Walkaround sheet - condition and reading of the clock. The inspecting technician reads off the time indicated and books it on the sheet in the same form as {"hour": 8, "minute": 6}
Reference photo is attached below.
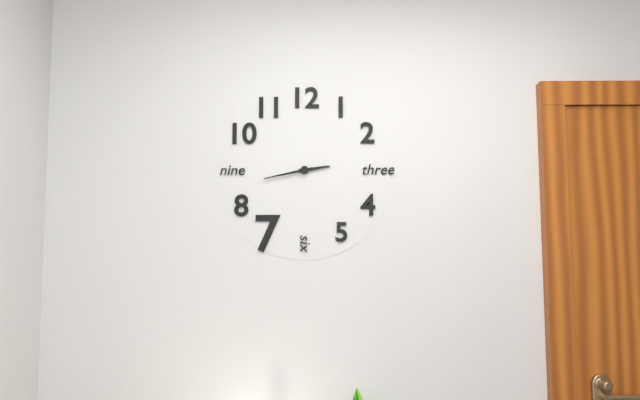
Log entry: {"hour": 2, "minute": 43}
